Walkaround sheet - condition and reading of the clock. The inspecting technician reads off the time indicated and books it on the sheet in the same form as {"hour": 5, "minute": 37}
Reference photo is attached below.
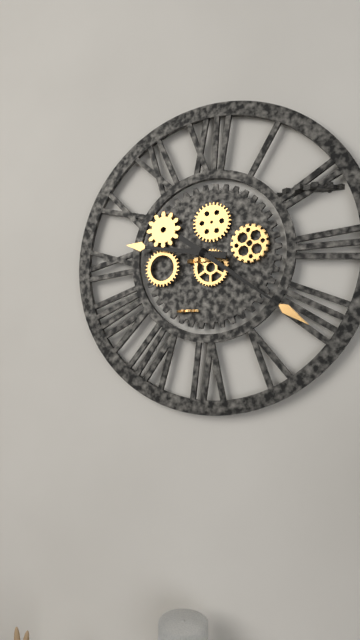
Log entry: {"hour": 9, "minute": 21}
